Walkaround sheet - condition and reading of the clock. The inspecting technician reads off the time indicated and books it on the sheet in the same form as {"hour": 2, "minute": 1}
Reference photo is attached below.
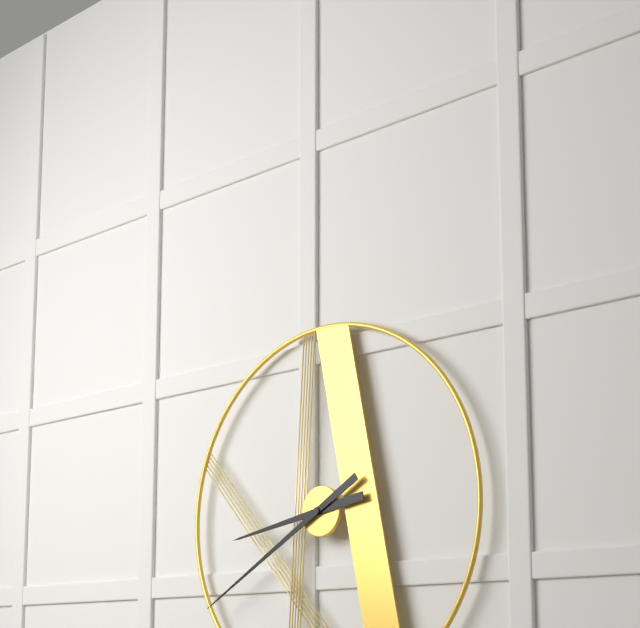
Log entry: {"hour": 8, "minute": 40}
